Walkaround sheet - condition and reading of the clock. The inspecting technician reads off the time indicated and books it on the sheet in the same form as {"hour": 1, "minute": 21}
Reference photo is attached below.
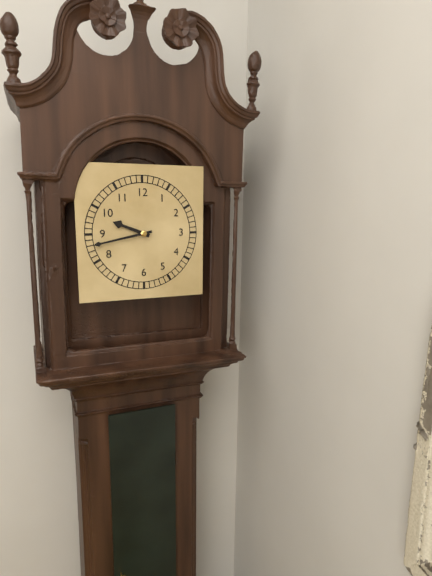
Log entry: {"hour": 9, "minute": 43}
